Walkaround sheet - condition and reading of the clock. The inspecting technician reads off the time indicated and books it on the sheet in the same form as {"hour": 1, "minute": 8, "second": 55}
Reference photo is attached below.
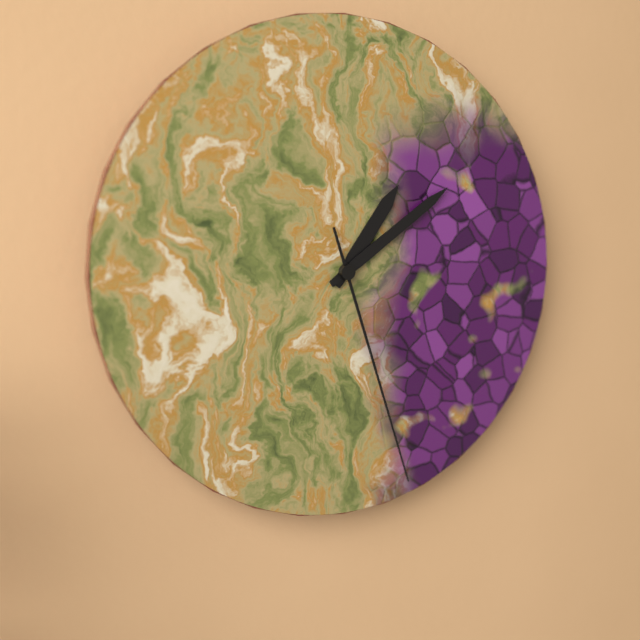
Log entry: {"hour": 1, "minute": 9, "second": 27}
